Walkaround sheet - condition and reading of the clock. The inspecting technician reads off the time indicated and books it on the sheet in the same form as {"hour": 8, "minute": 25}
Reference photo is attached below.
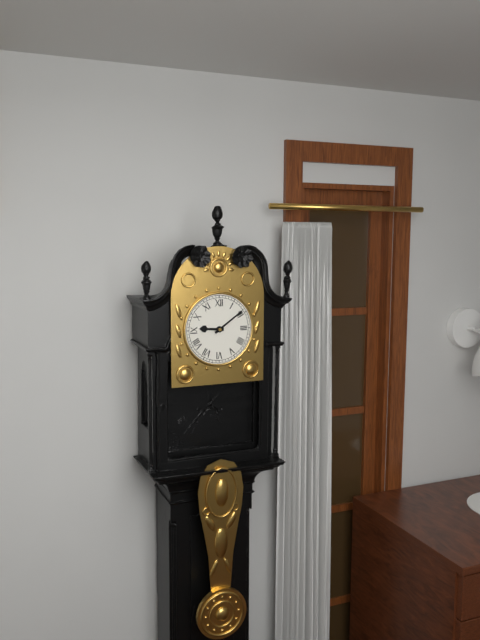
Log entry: {"hour": 9, "minute": 9}
